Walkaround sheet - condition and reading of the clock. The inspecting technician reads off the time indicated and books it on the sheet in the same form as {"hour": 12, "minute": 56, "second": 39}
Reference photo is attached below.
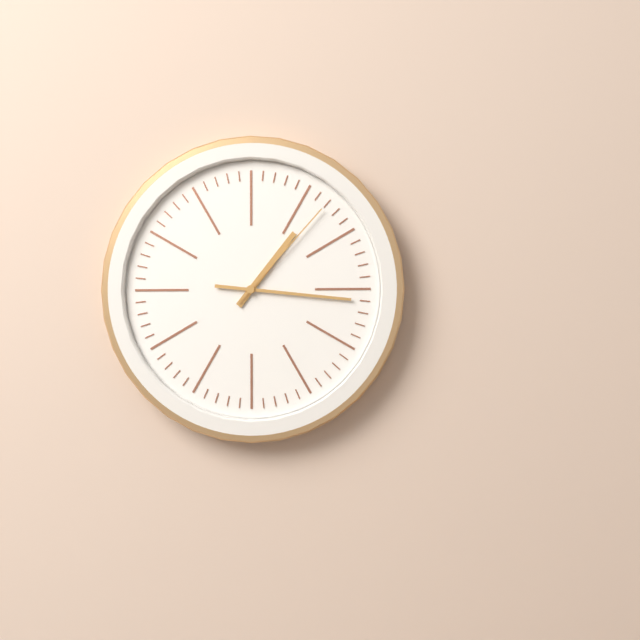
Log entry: {"hour": 1, "minute": 16, "second": 7}
